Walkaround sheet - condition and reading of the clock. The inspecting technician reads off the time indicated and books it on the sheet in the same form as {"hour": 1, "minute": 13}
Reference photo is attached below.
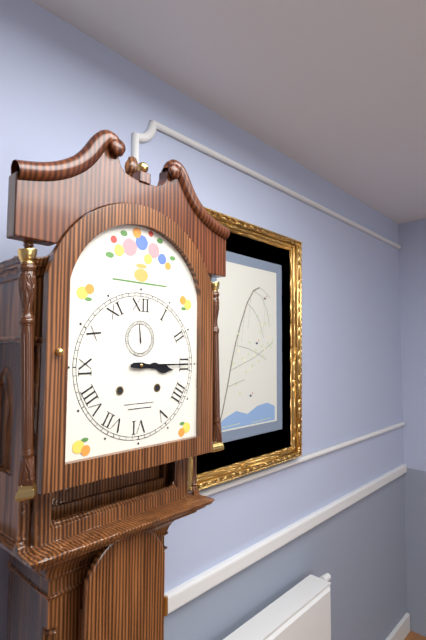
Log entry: {"hour": 3, "minute": 15}
